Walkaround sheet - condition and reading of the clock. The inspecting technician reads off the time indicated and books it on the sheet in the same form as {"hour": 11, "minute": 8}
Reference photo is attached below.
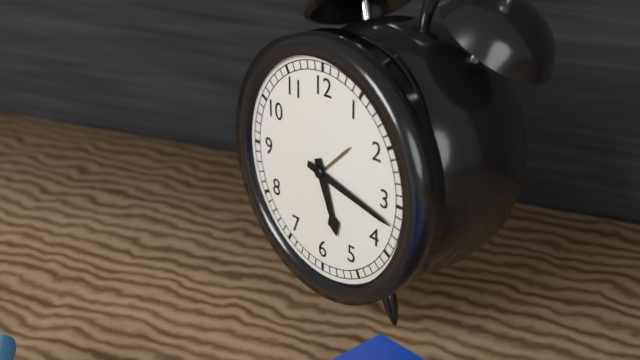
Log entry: {"hour": 5, "minute": 17}
